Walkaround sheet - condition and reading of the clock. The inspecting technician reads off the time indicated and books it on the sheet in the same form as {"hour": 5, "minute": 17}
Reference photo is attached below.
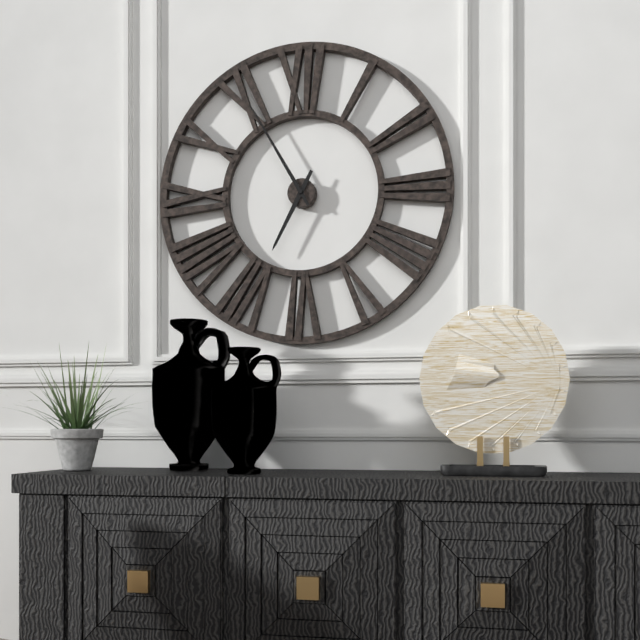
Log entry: {"hour": 6, "minute": 55}
